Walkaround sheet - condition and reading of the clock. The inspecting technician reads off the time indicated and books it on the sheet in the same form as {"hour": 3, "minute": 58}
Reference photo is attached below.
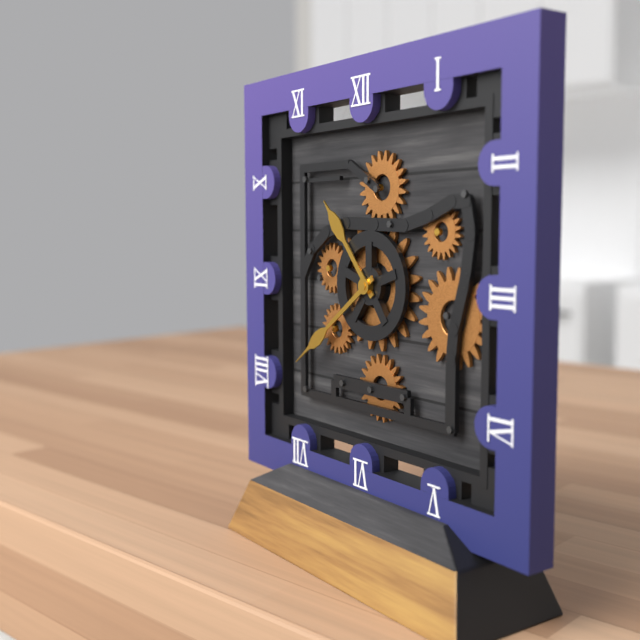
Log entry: {"hour": 10, "minute": 39}
